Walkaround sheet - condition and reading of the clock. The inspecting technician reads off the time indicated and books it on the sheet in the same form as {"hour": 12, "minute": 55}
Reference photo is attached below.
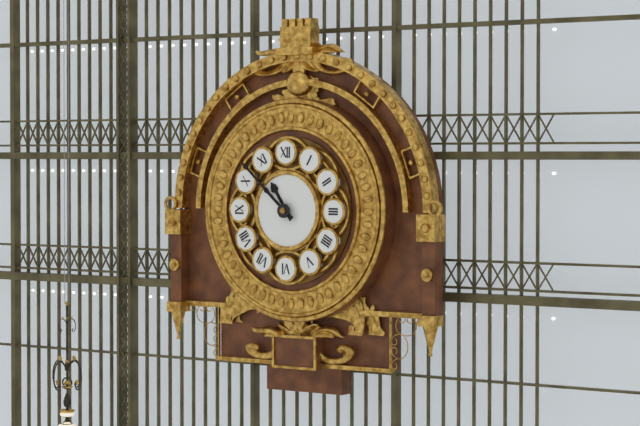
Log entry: {"hour": 10, "minute": 52}
